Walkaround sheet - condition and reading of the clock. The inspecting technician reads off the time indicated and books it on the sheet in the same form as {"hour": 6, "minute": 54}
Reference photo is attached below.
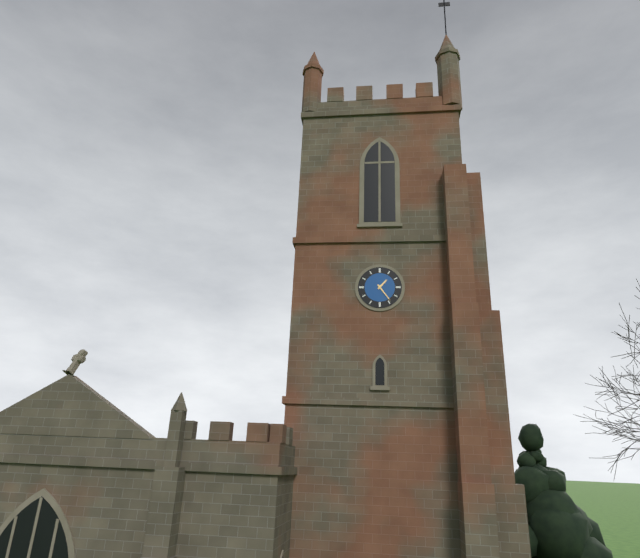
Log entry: {"hour": 1, "minute": 24}
